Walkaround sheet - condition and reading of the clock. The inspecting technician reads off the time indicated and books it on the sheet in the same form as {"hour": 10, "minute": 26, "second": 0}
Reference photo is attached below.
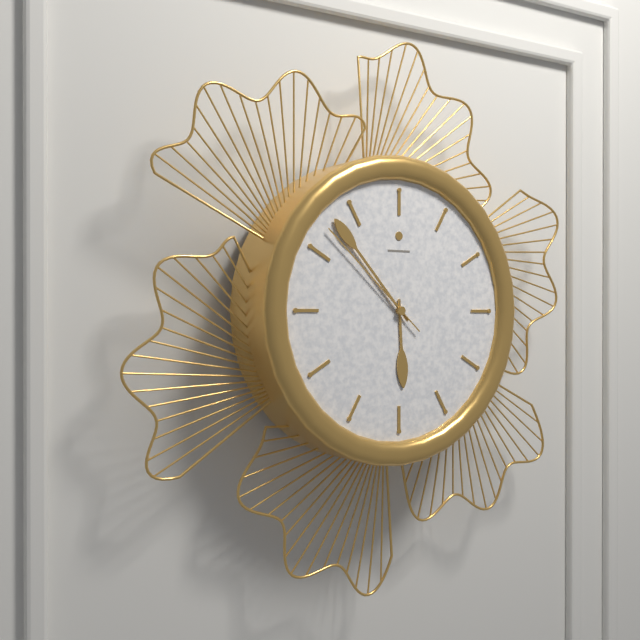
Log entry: {"hour": 5, "minute": 53, "second": 52}
